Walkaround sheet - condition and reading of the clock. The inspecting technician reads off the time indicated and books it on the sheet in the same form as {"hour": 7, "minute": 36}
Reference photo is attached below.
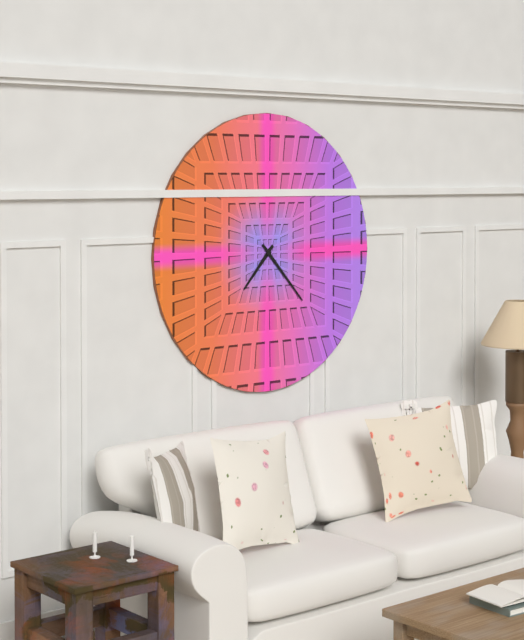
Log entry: {"hour": 7, "minute": 23}
